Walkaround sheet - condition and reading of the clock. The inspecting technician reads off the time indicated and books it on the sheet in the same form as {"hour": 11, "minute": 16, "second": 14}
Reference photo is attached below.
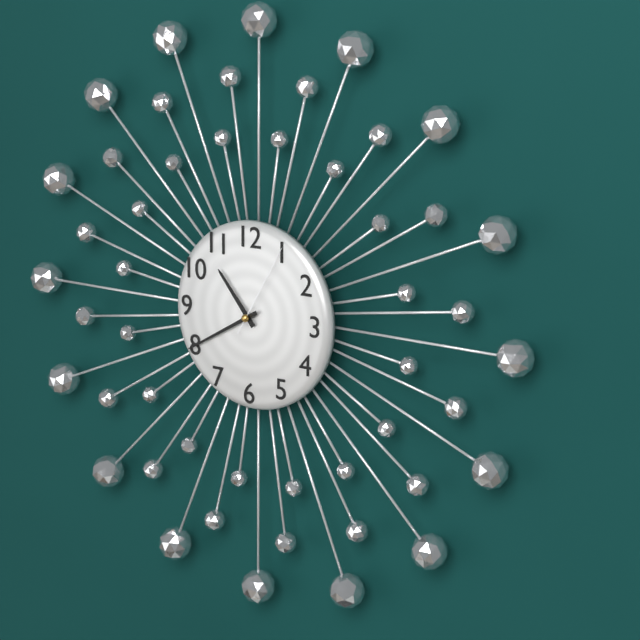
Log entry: {"hour": 10, "minute": 40, "second": 5}
